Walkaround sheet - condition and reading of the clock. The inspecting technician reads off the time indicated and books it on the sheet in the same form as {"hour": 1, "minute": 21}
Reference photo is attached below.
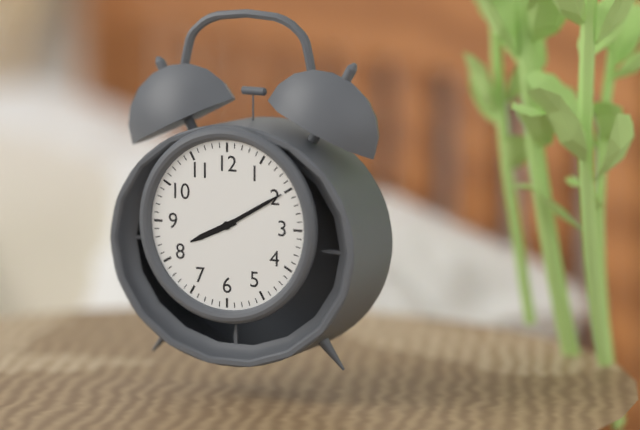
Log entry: {"hour": 8, "minute": 10}
